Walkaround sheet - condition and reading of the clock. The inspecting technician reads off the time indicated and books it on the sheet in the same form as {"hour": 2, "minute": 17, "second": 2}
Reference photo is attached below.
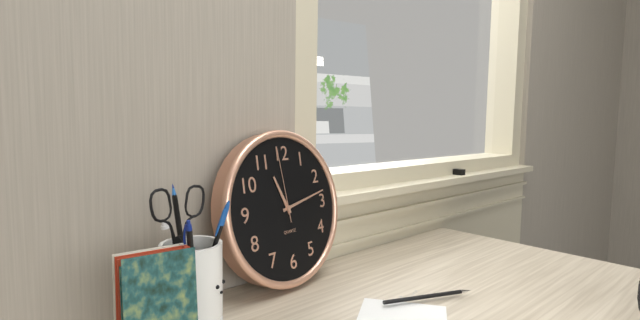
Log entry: {"hour": 11, "minute": 13, "second": 59}
